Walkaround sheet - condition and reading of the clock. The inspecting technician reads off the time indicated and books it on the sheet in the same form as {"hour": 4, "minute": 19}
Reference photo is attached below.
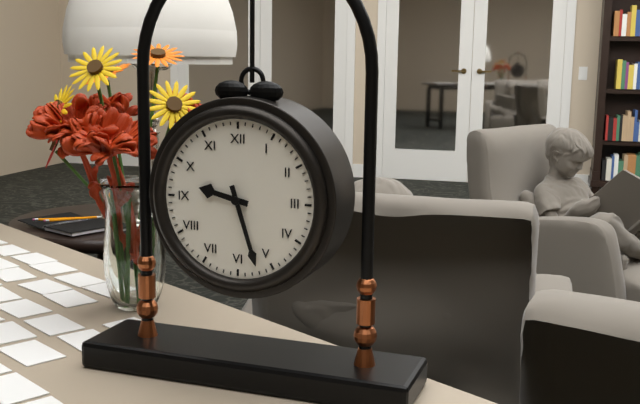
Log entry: {"hour": 9, "minute": 27}
